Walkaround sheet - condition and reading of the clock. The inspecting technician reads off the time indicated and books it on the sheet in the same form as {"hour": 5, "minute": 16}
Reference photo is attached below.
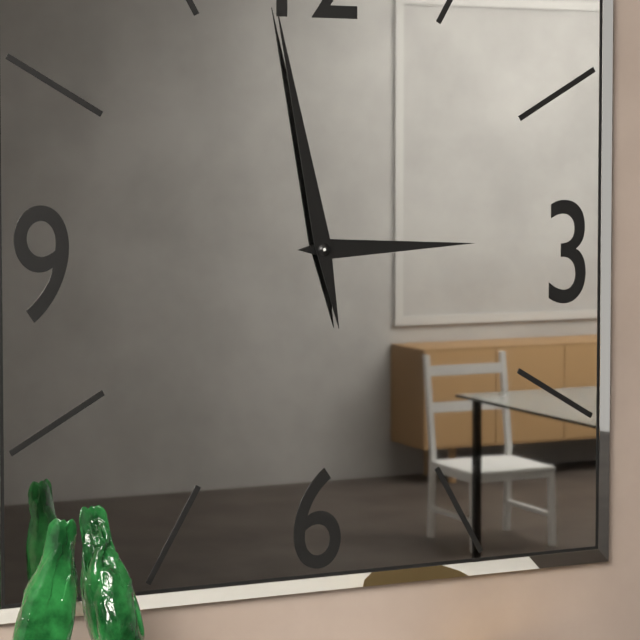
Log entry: {"hour": 2, "minute": 58}
